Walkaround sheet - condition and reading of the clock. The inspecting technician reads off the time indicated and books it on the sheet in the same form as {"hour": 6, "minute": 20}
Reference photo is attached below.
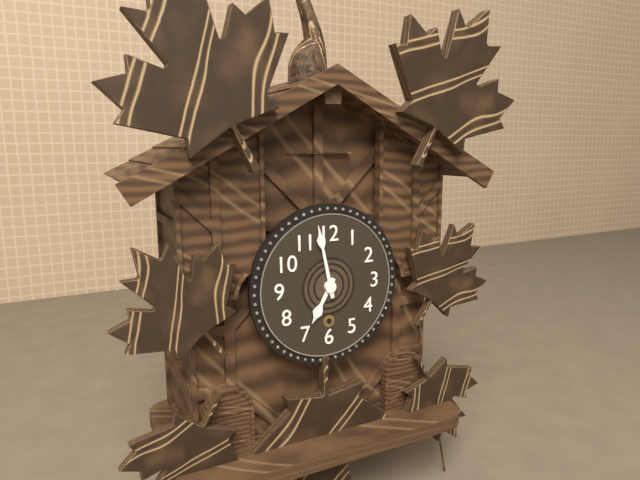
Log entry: {"hour": 6, "minute": 58}
